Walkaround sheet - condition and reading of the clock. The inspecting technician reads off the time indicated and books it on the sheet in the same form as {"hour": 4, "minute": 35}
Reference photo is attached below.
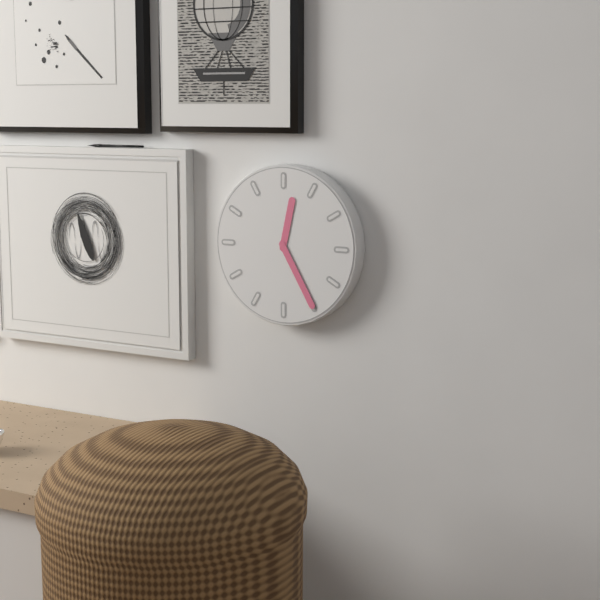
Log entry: {"hour": 12, "minute": 25}
